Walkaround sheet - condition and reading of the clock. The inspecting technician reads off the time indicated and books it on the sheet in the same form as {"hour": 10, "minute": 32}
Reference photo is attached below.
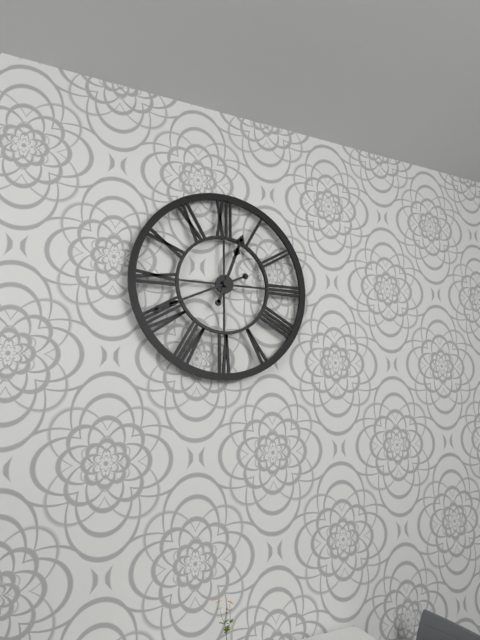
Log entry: {"hour": 12, "minute": 41}
